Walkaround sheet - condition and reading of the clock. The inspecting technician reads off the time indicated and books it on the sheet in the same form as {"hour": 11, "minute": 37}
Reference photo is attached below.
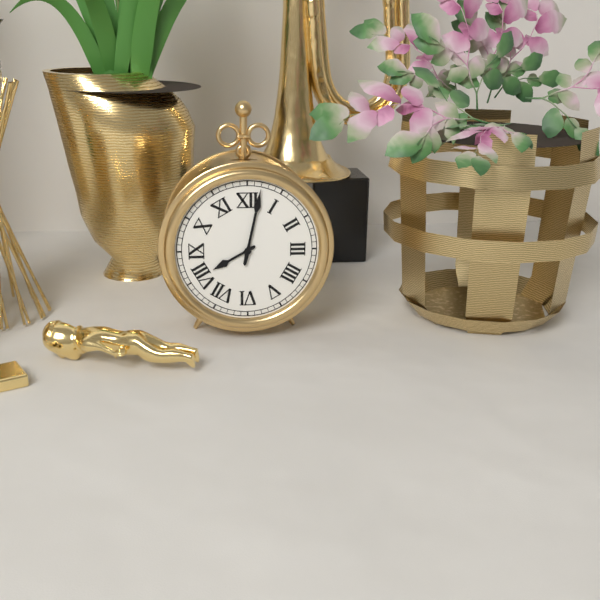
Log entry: {"hour": 8, "minute": 2}
